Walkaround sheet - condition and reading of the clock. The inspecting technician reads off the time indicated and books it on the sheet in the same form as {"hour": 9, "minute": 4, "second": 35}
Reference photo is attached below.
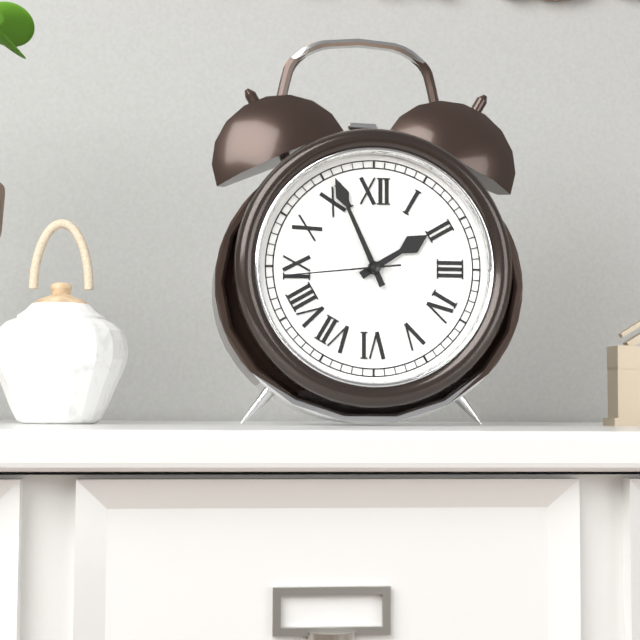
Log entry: {"hour": 1, "minute": 56, "second": 44}
